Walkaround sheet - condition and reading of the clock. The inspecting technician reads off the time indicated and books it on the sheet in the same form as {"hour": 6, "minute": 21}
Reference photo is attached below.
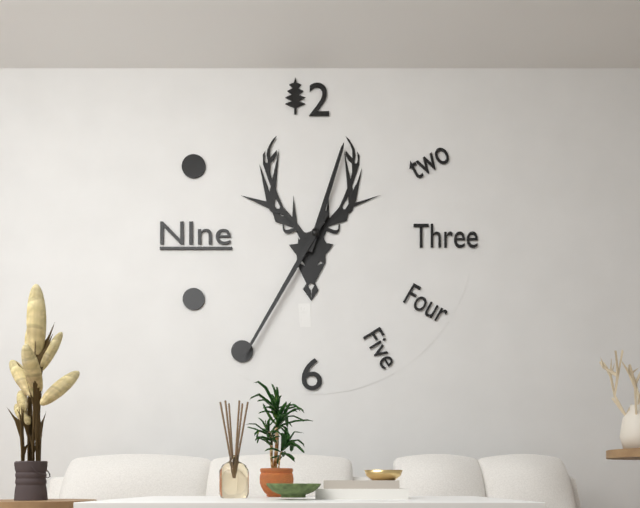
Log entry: {"hour": 12, "minute": 35}
